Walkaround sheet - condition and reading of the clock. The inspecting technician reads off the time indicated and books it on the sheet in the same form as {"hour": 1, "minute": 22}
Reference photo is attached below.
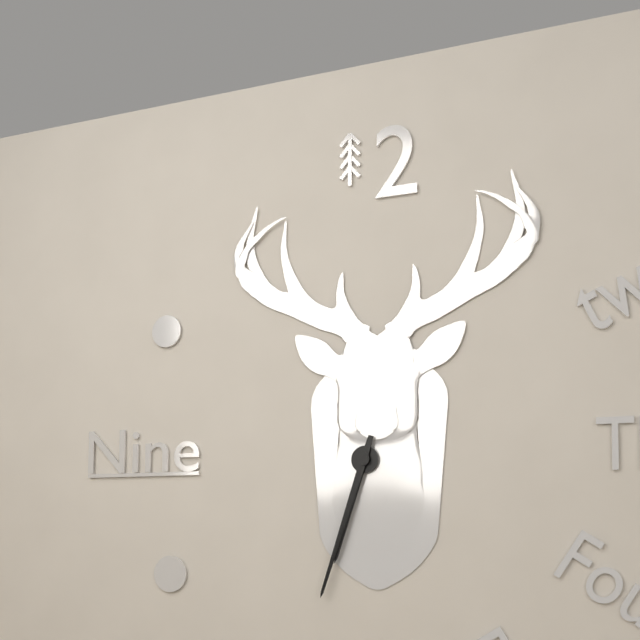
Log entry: {"hour": 6, "minute": 33}
